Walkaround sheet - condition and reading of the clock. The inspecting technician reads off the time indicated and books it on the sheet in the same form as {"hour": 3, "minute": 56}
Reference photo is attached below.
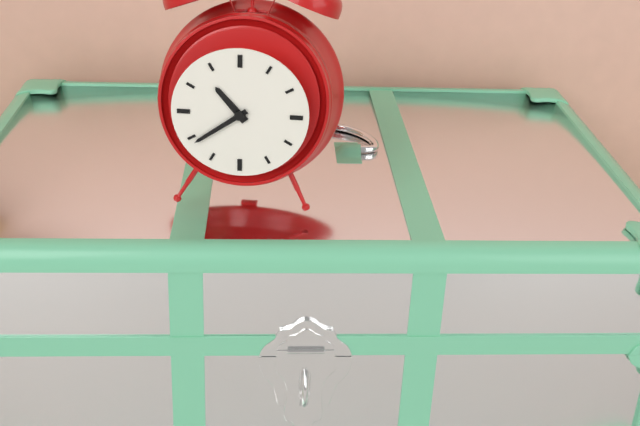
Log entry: {"hour": 10, "minute": 39}
